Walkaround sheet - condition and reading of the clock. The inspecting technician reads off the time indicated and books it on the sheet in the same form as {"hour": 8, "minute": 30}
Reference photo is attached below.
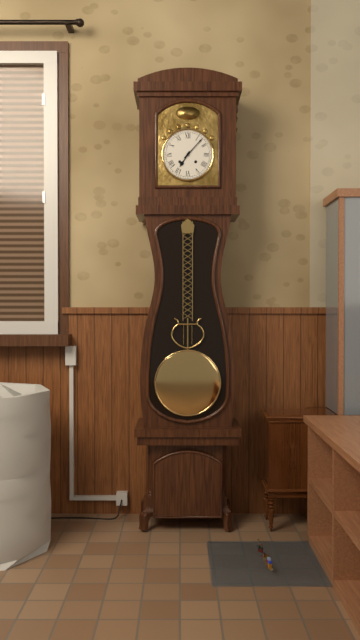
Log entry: {"hour": 7, "minute": 7}
